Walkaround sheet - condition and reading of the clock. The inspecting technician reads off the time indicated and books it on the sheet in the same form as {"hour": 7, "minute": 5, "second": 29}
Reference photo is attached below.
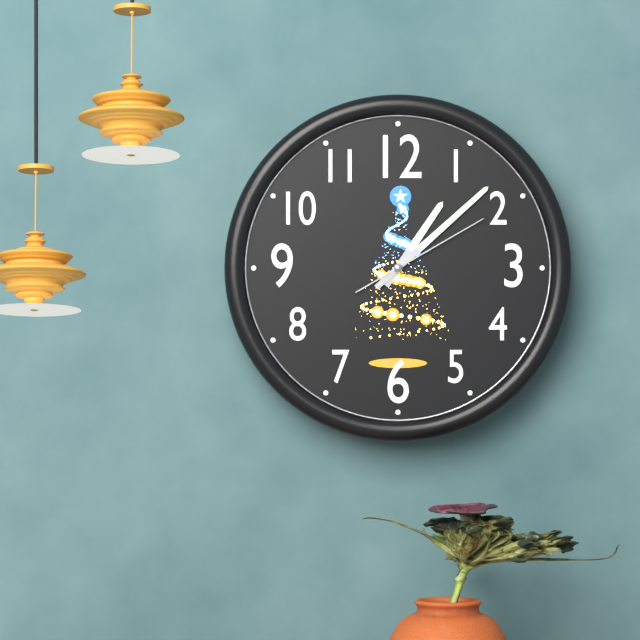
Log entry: {"hour": 1, "minute": 8, "second": 10}
